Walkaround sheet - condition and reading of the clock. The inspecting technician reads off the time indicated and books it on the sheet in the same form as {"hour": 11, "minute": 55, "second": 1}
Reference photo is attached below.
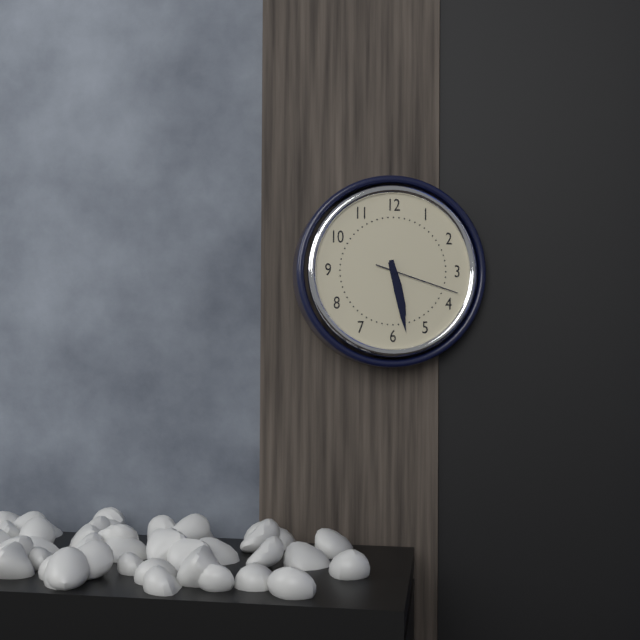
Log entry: {"hour": 5, "minute": 28, "second": 18}
